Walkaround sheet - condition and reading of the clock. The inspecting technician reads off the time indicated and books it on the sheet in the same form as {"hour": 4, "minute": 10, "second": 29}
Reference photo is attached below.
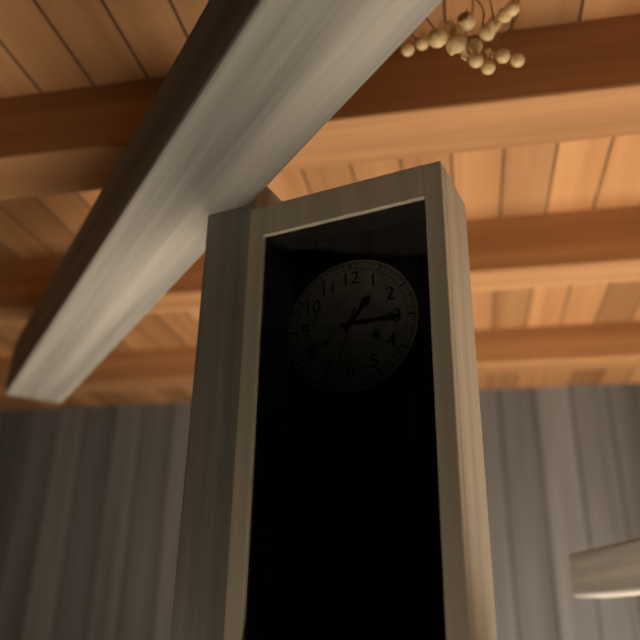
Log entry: {"hour": 1, "minute": 15, "second": 33}
